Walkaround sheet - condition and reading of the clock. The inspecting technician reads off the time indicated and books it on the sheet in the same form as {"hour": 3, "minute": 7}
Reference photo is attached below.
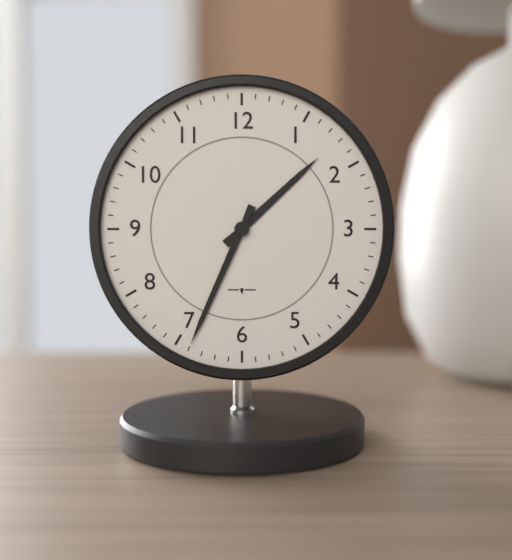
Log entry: {"hour": 1, "minute": 34}
